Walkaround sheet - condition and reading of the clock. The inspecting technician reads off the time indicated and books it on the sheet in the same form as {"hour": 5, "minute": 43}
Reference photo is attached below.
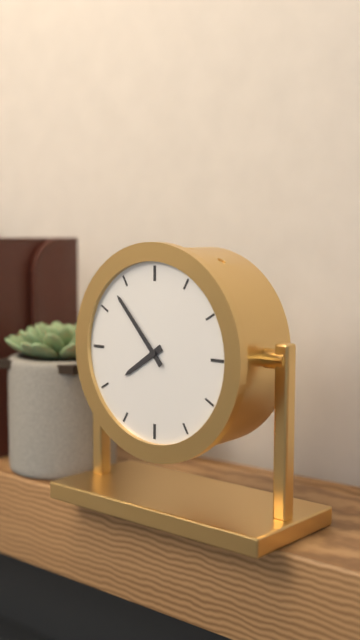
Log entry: {"hour": 7, "minute": 53}
